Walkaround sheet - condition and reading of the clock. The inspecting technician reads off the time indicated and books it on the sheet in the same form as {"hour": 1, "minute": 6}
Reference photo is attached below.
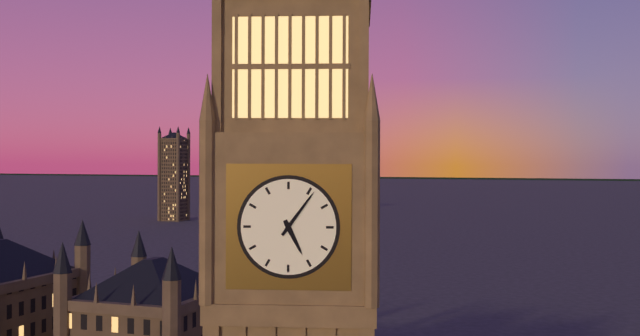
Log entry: {"hour": 5, "minute": 6}
